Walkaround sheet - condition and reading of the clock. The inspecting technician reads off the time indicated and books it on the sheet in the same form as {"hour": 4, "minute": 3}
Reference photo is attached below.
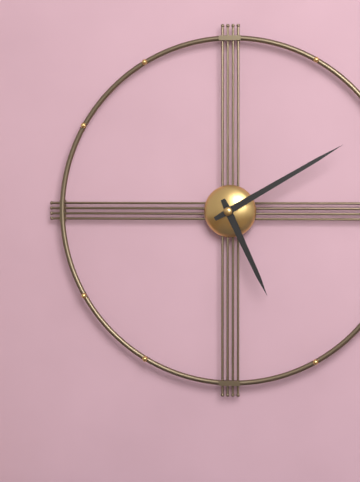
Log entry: {"hour": 5, "minute": 10}
